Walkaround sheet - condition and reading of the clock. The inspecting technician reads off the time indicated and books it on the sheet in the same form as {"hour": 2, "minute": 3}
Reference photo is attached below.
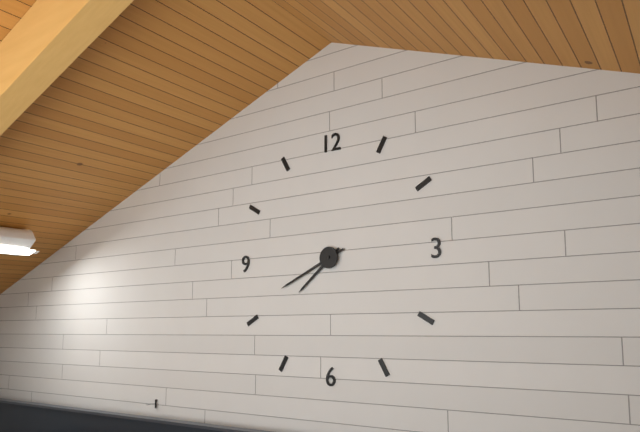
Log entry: {"hour": 7, "minute": 41}
